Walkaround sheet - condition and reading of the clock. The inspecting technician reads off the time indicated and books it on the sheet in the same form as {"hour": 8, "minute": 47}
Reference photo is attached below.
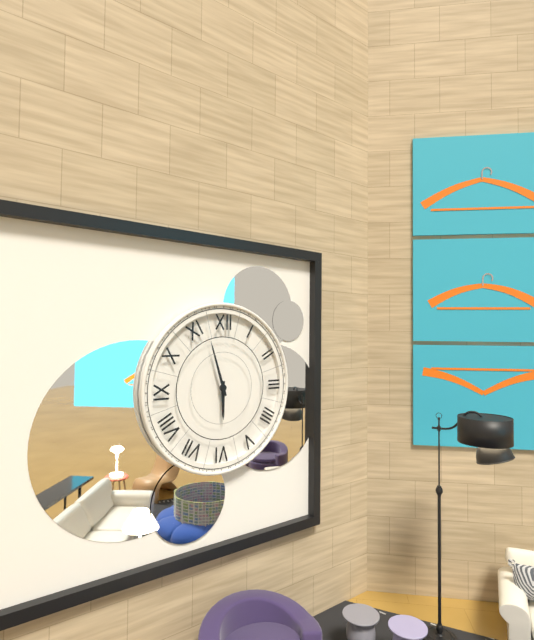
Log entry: {"hour": 5, "minute": 57}
